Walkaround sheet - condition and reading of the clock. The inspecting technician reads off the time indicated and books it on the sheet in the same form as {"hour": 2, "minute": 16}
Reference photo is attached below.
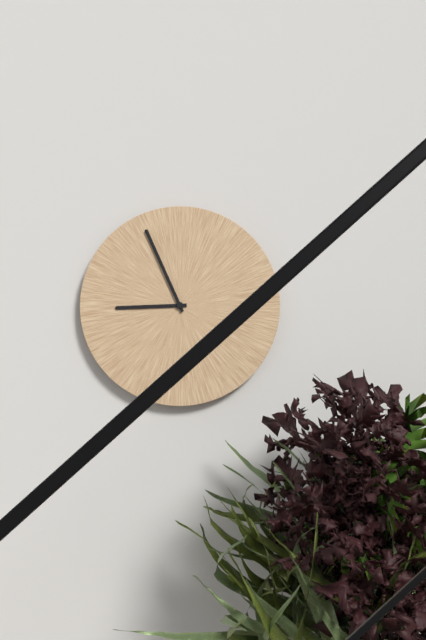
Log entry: {"hour": 8, "minute": 56}
